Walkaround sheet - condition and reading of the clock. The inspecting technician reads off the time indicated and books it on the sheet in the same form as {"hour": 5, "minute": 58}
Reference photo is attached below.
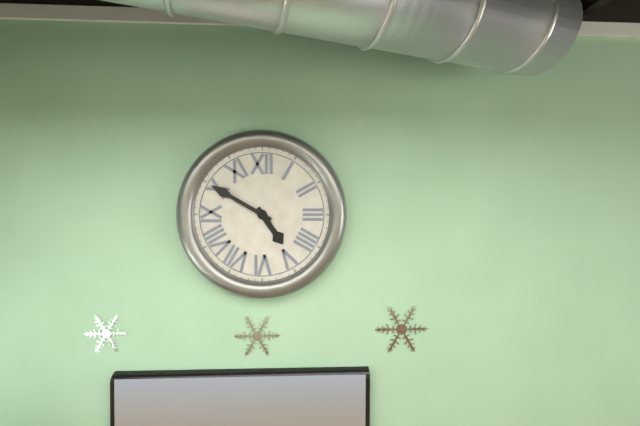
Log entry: {"hour": 4, "minute": 50}
